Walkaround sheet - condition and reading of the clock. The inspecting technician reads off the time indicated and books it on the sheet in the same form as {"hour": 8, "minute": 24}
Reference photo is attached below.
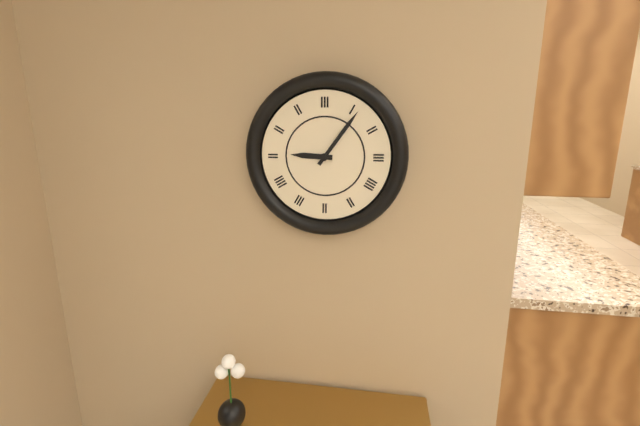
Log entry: {"hour": 9, "minute": 6}
